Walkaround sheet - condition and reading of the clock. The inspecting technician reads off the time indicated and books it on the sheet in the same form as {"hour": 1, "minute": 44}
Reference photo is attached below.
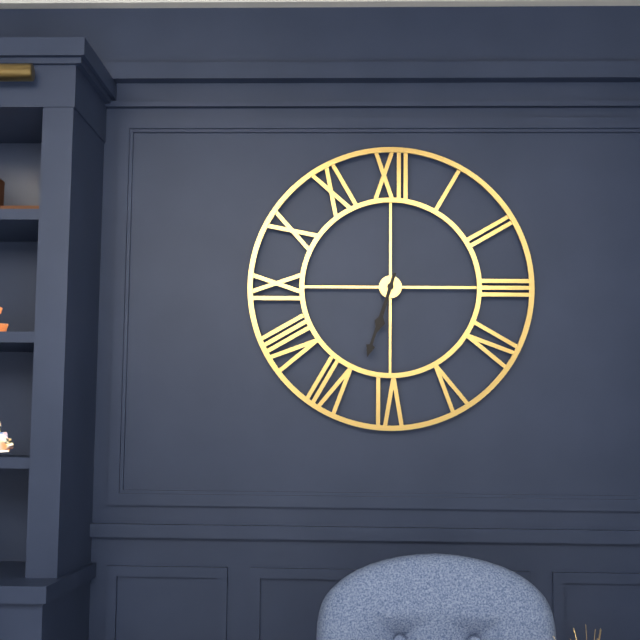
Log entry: {"hour": 6, "minute": 33}
